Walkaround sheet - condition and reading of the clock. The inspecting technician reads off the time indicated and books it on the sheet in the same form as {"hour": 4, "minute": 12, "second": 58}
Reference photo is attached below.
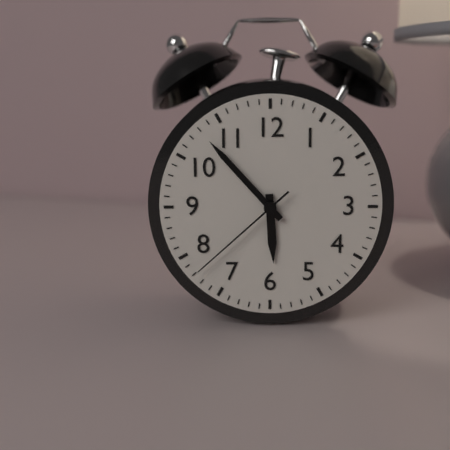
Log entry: {"hour": 5, "minute": 53, "second": 38}
